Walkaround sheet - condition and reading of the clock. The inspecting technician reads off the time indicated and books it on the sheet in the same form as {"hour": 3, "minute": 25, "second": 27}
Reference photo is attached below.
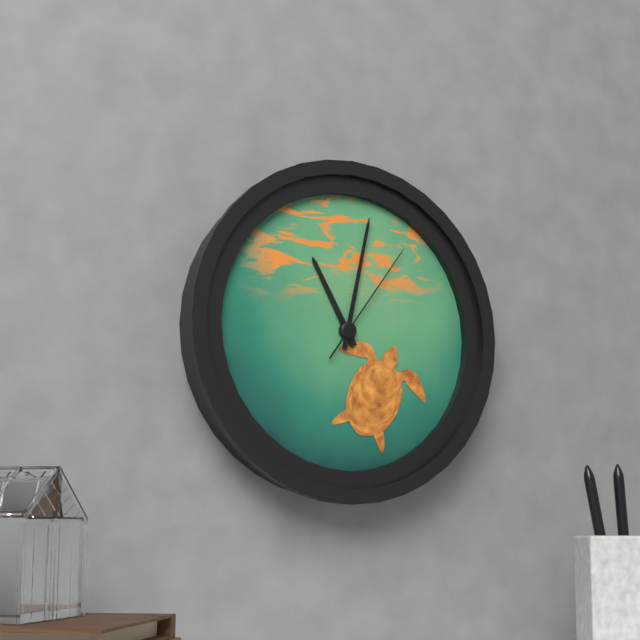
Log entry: {"hour": 11, "minute": 2, "second": 6}
